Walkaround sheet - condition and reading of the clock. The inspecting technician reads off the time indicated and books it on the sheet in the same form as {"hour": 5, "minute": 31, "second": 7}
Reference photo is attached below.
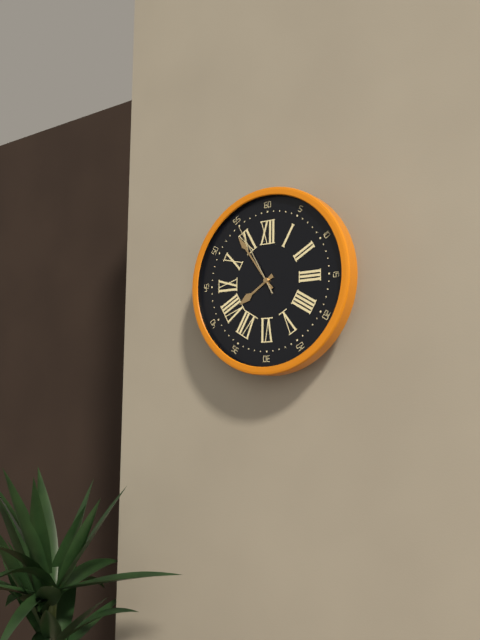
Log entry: {"hour": 7, "minute": 54, "second": 55}
